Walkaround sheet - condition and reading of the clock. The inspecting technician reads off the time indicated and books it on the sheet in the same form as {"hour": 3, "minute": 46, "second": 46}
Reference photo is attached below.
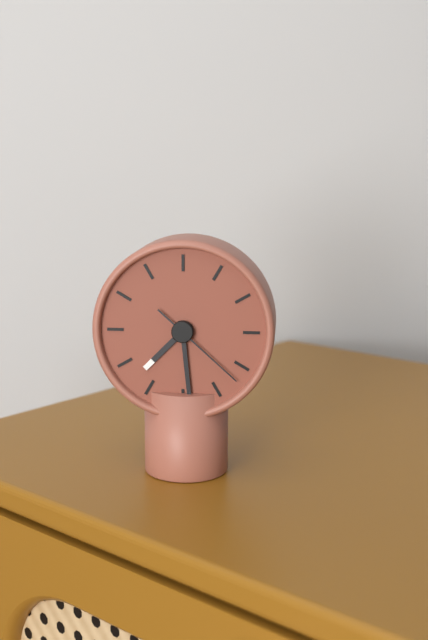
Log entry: {"hour": 7, "minute": 29, "second": 22}
